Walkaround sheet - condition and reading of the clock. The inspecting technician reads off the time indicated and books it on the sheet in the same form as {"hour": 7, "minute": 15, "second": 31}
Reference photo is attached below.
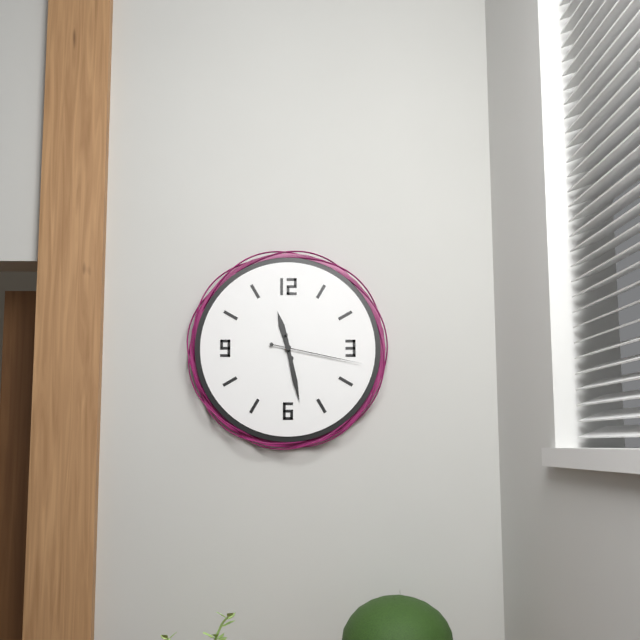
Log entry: {"hour": 11, "minute": 28, "second": 17}
